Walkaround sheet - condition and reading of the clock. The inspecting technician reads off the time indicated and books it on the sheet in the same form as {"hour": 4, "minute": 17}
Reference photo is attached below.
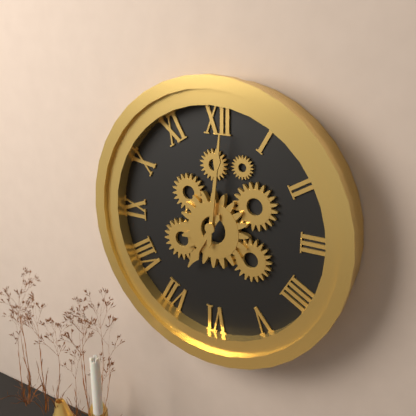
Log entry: {"hour": 7, "minute": 1}
